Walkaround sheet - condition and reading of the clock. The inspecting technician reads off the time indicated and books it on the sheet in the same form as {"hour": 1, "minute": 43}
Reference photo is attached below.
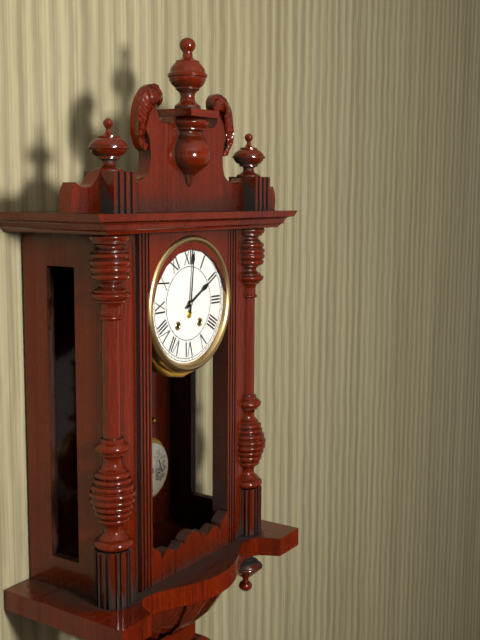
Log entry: {"hour": 2, "minute": 1}
